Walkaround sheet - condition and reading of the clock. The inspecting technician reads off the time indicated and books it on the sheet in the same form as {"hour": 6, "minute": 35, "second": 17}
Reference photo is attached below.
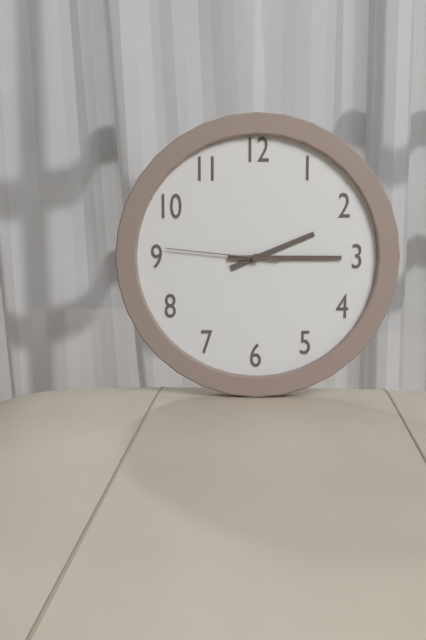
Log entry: {"hour": 2, "minute": 15, "second": 46}
